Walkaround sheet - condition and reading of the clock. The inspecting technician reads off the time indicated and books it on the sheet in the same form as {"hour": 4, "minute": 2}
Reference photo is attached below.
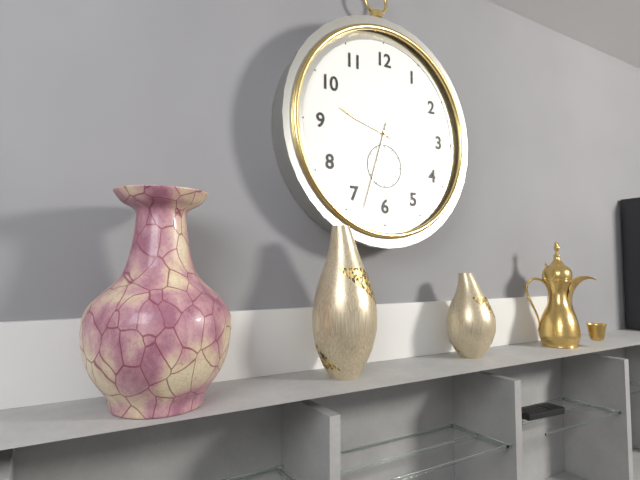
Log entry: {"hour": 9, "minute": 33}
